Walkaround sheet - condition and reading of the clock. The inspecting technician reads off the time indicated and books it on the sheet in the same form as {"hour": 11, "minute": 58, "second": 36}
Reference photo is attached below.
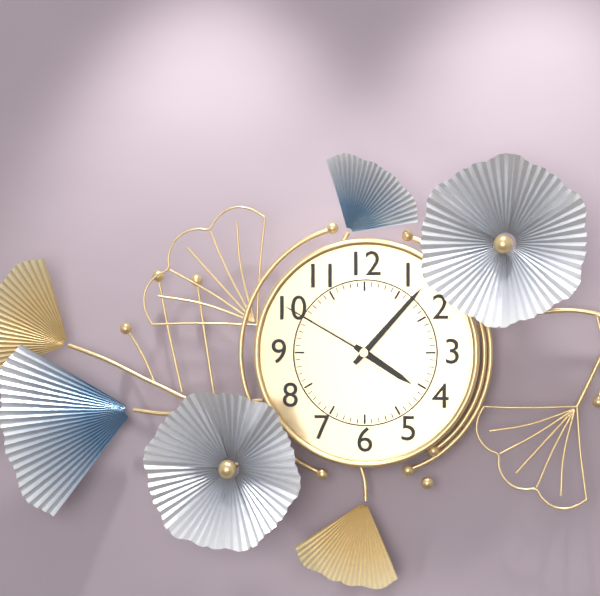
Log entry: {"hour": 4, "minute": 7, "second": 50}
